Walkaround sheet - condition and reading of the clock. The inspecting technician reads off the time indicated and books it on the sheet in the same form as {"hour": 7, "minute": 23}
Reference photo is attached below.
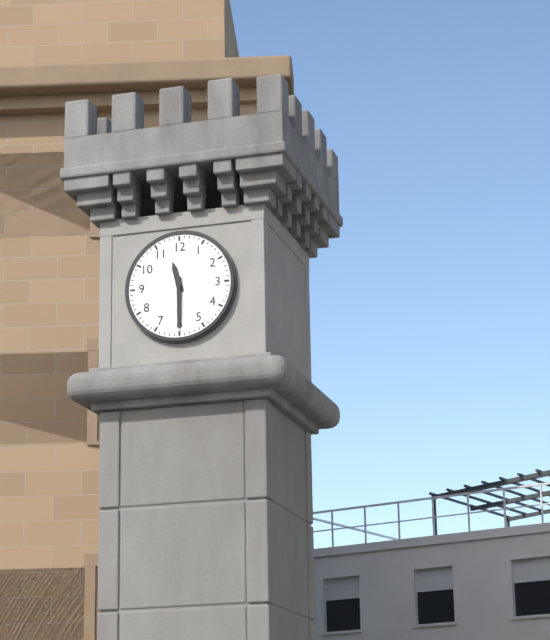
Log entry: {"hour": 11, "minute": 30}
